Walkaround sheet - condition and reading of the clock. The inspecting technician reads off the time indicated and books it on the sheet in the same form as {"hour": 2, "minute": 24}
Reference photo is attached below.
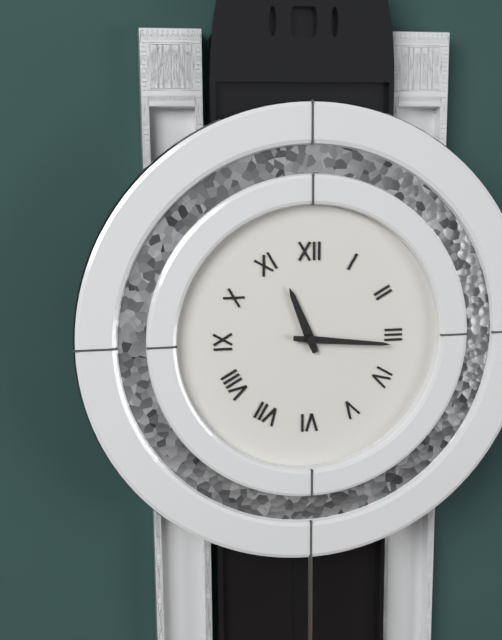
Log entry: {"hour": 11, "minute": 16}
